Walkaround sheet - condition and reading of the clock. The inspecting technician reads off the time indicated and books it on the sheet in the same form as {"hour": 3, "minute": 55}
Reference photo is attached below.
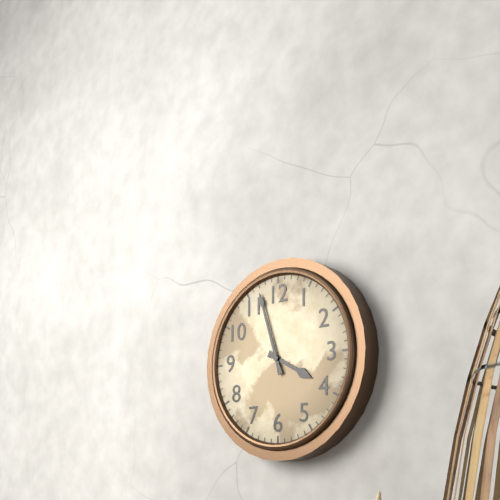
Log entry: {"hour": 3, "minute": 57}
